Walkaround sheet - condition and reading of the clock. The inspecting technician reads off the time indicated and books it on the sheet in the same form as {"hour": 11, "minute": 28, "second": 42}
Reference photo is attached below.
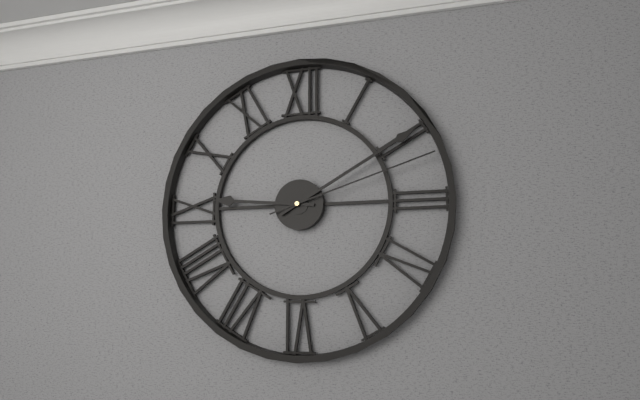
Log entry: {"hour": 9, "minute": 10, "second": 12}
